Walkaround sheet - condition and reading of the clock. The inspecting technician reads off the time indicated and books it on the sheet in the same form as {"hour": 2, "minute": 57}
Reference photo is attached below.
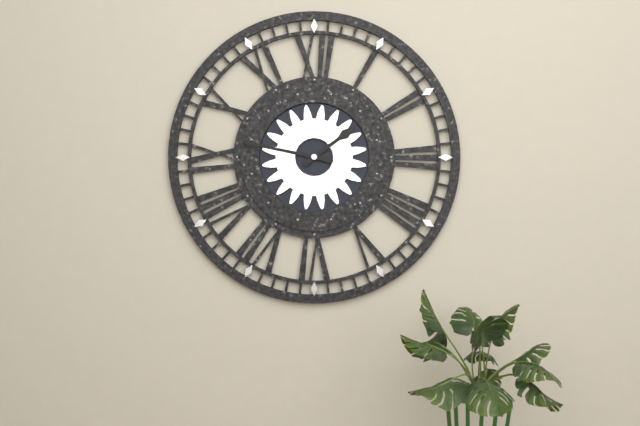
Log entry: {"hour": 1, "minute": 47}
